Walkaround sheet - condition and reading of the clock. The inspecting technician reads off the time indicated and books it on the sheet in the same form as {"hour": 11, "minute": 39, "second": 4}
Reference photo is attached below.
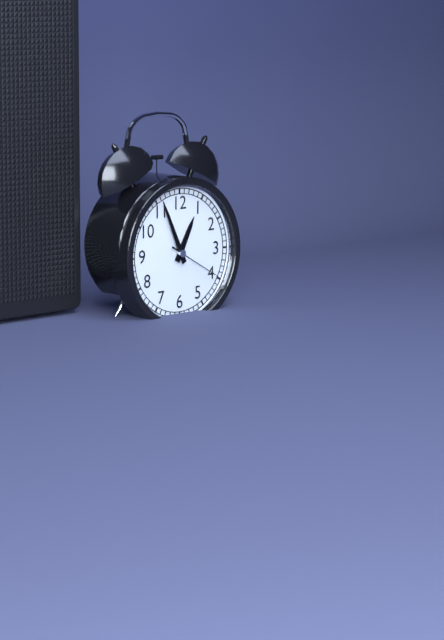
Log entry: {"hour": 12, "minute": 56, "second": 20}
